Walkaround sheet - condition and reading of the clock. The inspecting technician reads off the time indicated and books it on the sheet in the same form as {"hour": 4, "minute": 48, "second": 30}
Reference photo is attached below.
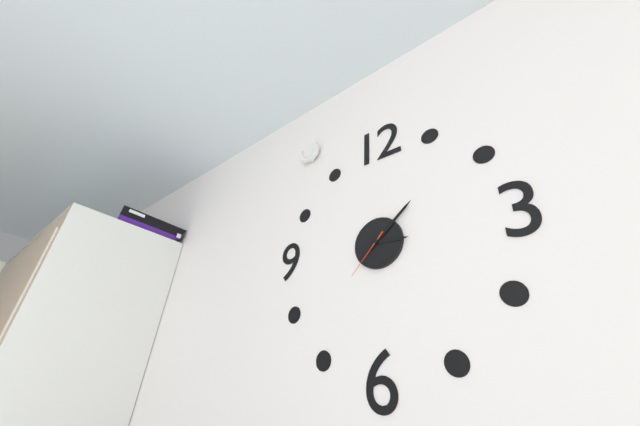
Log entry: {"hour": 3, "minute": 8, "second": 37}
